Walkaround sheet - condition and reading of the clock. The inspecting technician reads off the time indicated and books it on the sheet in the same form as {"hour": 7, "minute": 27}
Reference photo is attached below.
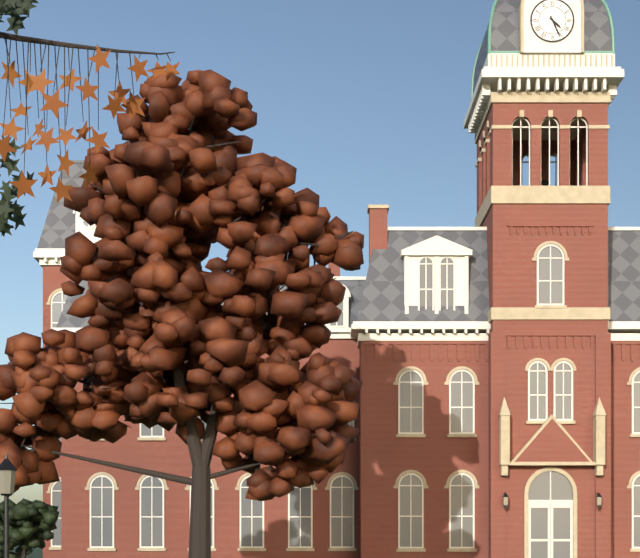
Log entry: {"hour": 4, "minute": 26}
